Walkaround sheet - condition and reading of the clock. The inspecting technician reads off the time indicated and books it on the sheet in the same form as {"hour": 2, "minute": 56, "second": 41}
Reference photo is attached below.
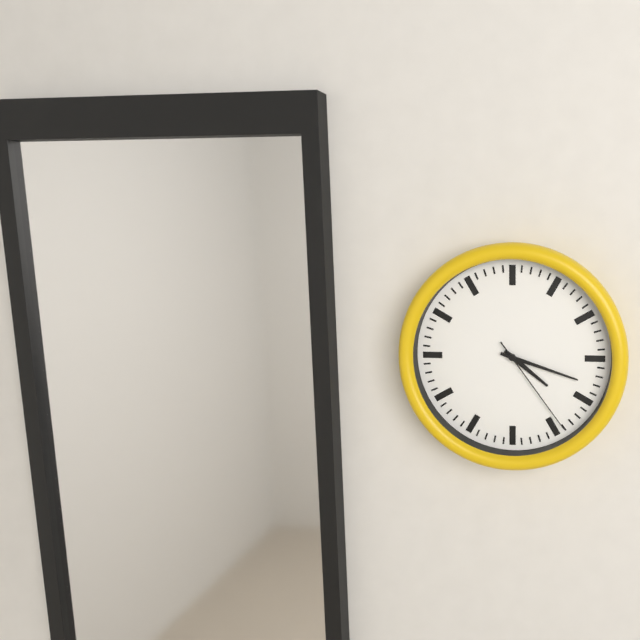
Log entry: {"hour": 4, "minute": 18, "second": 24}
